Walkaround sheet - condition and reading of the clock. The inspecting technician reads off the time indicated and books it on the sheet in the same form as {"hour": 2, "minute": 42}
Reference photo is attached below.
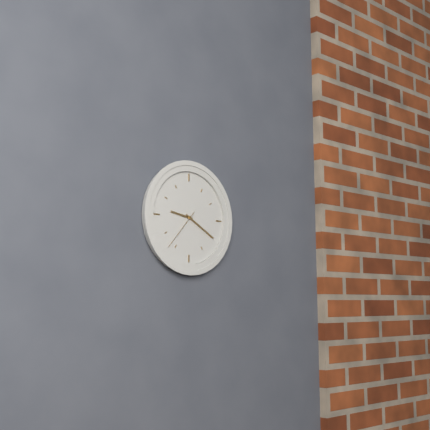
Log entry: {"hour": 9, "minute": 20}
